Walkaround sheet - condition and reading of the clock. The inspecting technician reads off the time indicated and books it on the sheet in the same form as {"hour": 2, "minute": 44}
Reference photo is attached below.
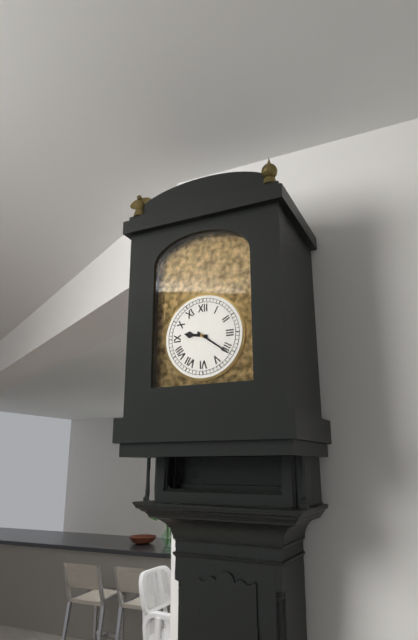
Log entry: {"hour": 9, "minute": 21}
